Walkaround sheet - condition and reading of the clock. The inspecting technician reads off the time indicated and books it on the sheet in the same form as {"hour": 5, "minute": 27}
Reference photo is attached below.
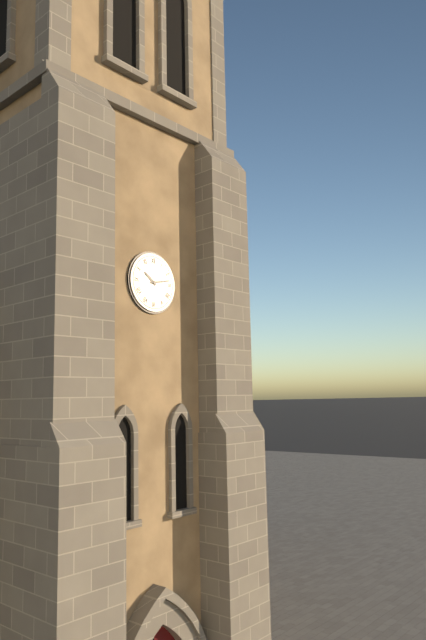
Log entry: {"hour": 10, "minute": 13}
